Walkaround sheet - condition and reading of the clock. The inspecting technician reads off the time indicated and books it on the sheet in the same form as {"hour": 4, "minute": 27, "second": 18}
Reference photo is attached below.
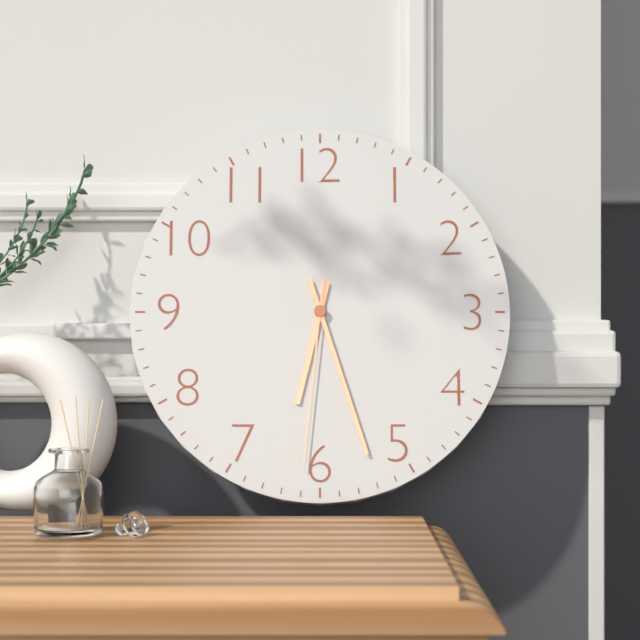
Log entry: {"hour": 6, "minute": 27, "second": 31}
